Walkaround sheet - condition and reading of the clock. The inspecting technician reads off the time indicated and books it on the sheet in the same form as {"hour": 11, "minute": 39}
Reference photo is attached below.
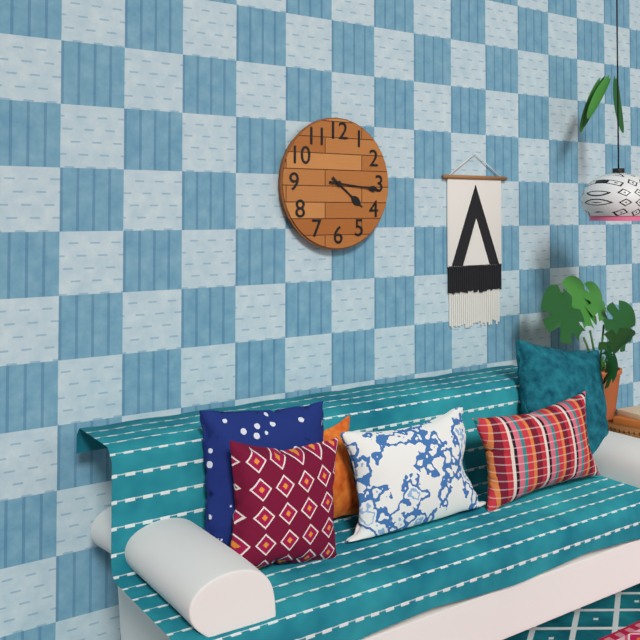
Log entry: {"hour": 4, "minute": 16}
